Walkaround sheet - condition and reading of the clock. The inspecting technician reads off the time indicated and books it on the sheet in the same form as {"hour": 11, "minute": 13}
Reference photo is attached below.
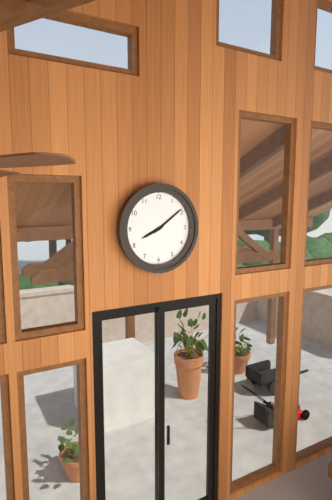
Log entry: {"hour": 8, "minute": 9}
